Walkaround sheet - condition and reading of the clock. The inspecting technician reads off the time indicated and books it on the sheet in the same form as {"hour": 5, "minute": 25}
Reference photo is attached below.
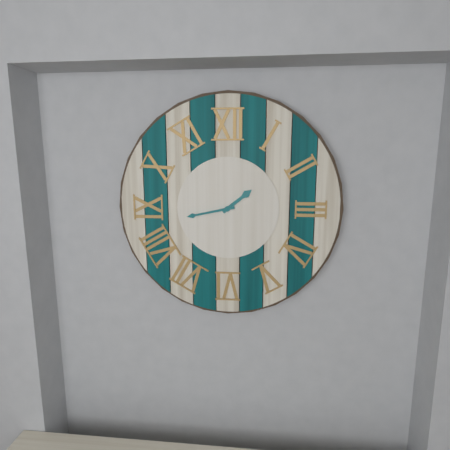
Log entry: {"hour": 1, "minute": 43}
